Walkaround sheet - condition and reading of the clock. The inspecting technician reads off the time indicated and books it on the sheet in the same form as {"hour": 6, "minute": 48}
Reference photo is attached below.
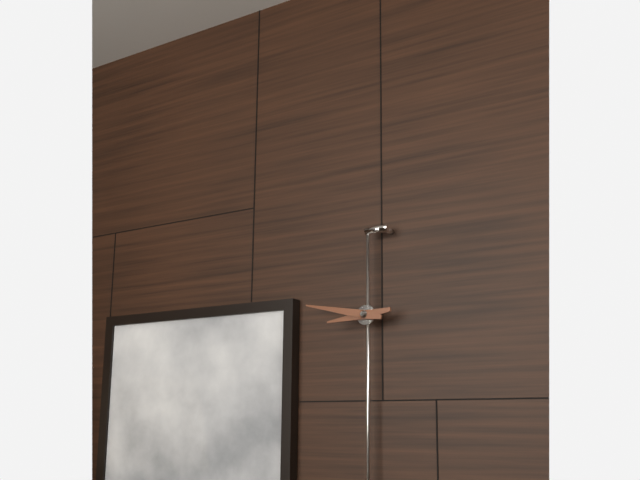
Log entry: {"hour": 8, "minute": 47}
